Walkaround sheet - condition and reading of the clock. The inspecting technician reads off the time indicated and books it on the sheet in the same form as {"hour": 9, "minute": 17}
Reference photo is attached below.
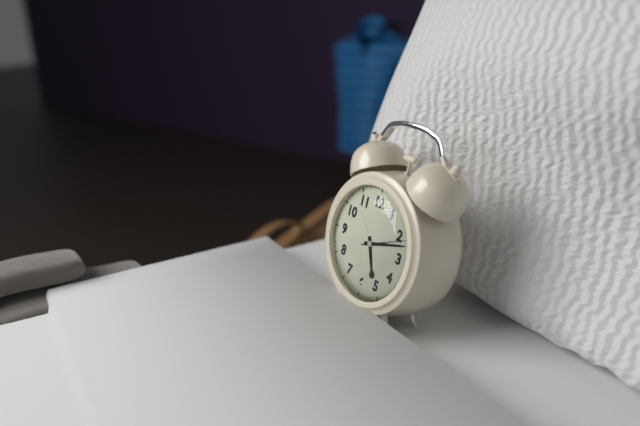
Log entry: {"hour": 5, "minute": 12}
